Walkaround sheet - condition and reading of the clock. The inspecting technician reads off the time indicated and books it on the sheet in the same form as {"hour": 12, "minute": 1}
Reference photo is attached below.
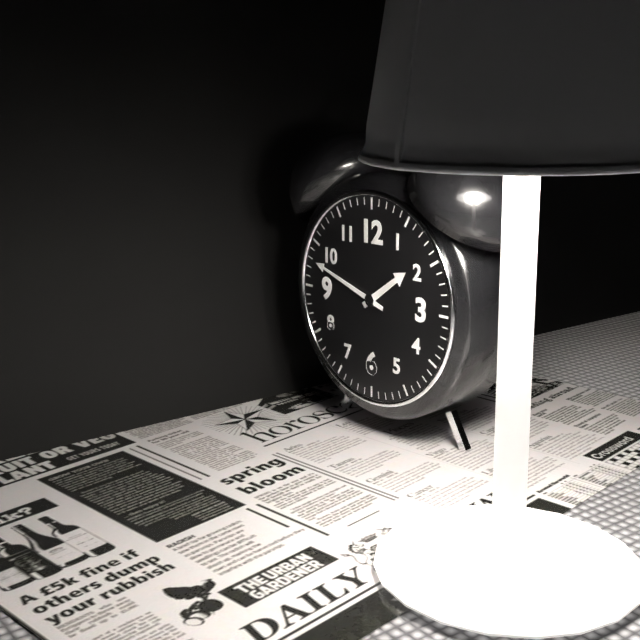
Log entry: {"hour": 1, "minute": 48}
